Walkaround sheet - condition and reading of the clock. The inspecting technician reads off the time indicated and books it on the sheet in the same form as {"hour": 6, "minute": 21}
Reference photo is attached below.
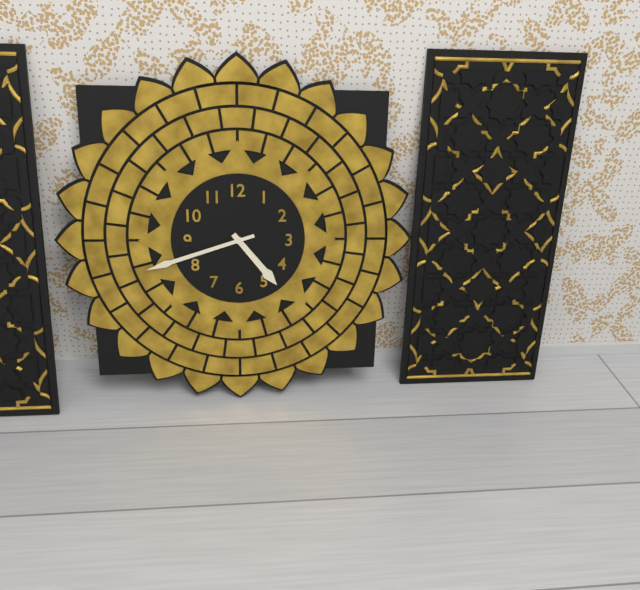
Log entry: {"hour": 4, "minute": 42}
